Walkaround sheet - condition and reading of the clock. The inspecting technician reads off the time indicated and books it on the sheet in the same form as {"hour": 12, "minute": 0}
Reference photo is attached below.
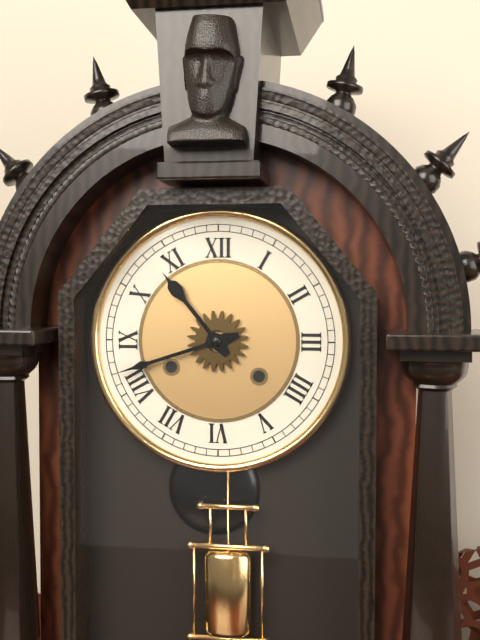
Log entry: {"hour": 10, "minute": 42}
